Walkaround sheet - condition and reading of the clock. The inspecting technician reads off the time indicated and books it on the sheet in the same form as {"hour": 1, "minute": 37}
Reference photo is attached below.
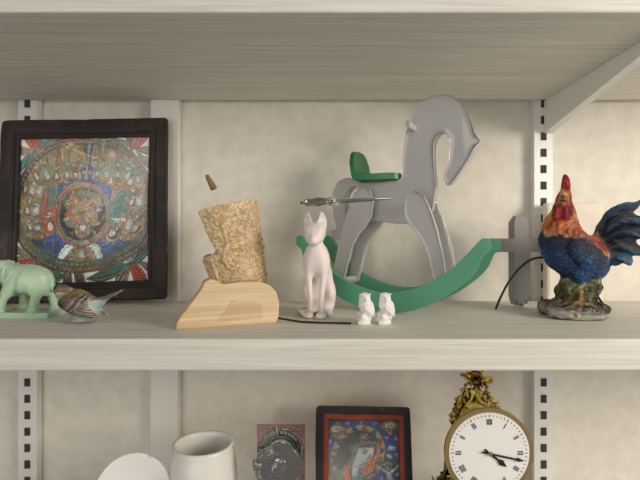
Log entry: {"hour": 4, "minute": 17}
